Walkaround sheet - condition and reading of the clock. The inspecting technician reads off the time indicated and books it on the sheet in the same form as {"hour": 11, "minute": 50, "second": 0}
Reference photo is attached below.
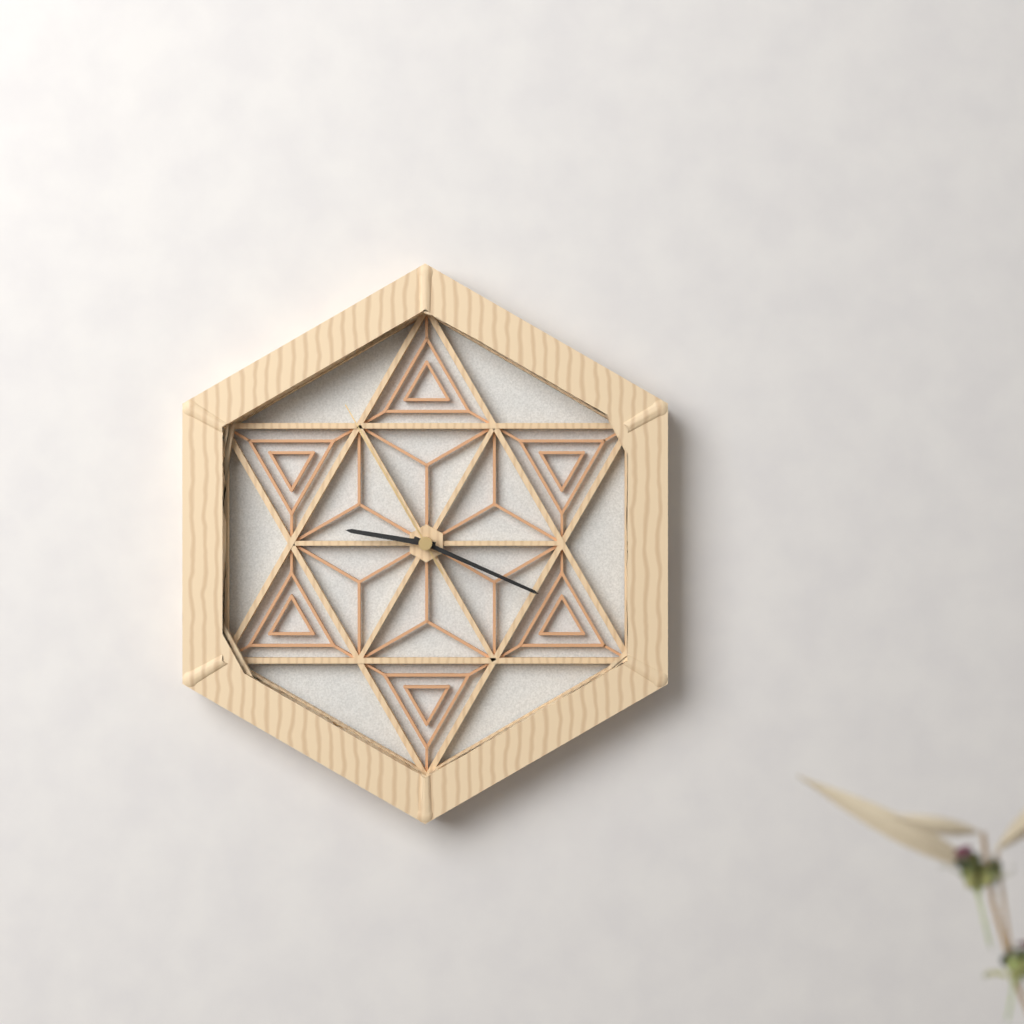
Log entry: {"hour": 9, "minute": 19, "second": 55}
